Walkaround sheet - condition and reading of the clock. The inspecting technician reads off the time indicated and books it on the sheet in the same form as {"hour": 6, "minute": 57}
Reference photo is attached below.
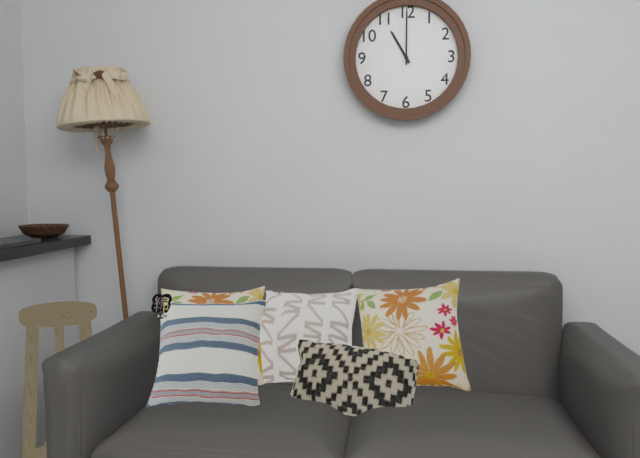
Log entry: {"hour": 11, "minute": 0}
